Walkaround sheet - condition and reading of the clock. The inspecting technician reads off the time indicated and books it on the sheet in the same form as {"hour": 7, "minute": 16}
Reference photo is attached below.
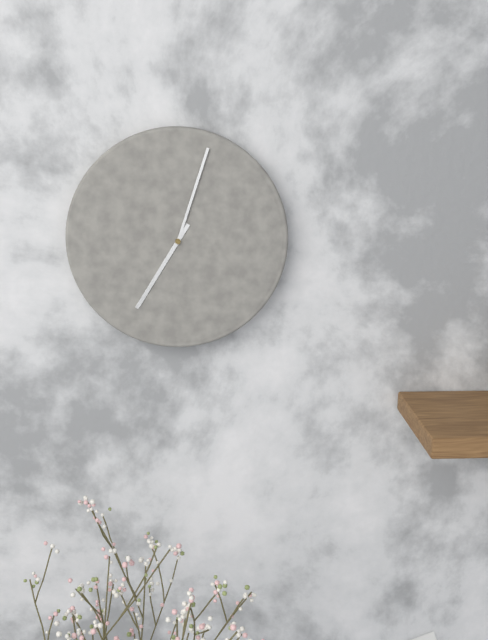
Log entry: {"hour": 7, "minute": 3}
